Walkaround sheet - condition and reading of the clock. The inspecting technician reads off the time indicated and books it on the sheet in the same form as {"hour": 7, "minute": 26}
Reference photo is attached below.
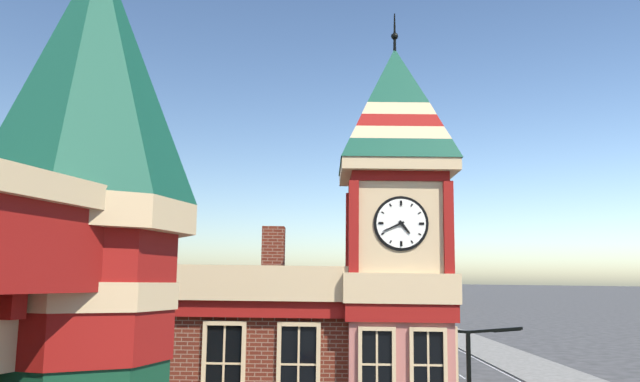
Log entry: {"hour": 4, "minute": 41}
